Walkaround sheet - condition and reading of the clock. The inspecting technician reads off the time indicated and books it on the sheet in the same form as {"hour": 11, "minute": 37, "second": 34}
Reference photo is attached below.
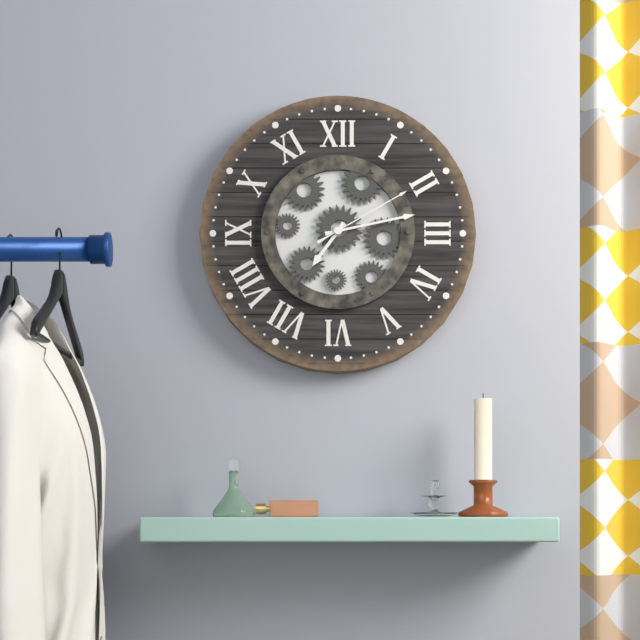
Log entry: {"hour": 7, "minute": 13, "second": 10}
